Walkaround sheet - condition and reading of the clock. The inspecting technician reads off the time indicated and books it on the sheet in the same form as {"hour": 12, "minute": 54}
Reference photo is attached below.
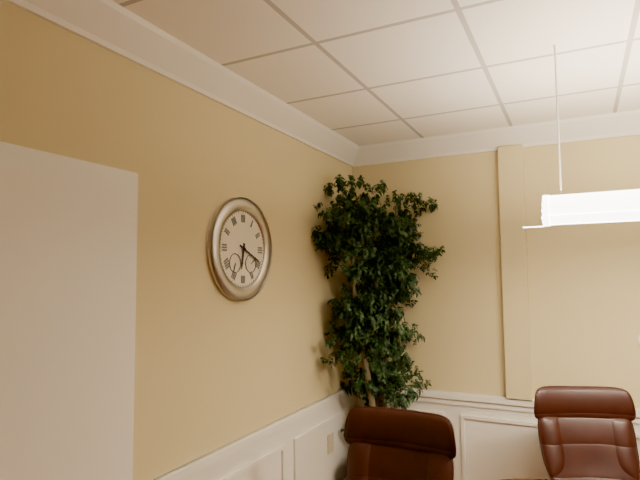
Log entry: {"hour": 6, "minute": 19}
